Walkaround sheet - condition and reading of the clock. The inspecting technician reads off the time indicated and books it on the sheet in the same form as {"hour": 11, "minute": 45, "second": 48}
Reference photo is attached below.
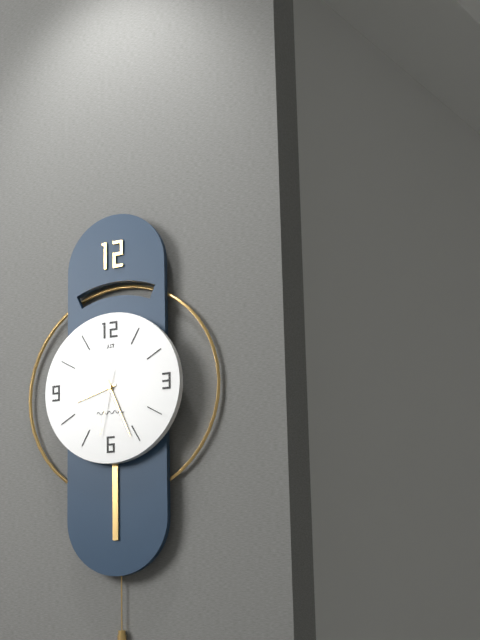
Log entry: {"hour": 8, "minute": 26, "second": 32}
